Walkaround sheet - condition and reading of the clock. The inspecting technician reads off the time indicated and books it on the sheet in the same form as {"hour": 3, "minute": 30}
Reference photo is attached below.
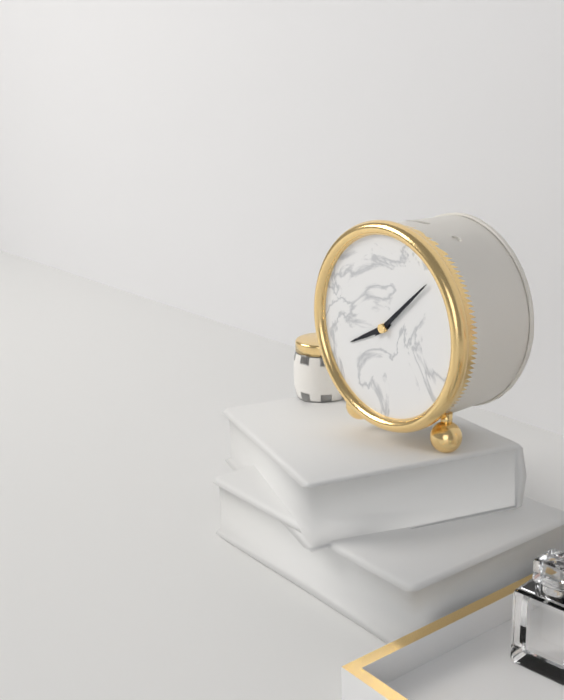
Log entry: {"hour": 8, "minute": 8}
